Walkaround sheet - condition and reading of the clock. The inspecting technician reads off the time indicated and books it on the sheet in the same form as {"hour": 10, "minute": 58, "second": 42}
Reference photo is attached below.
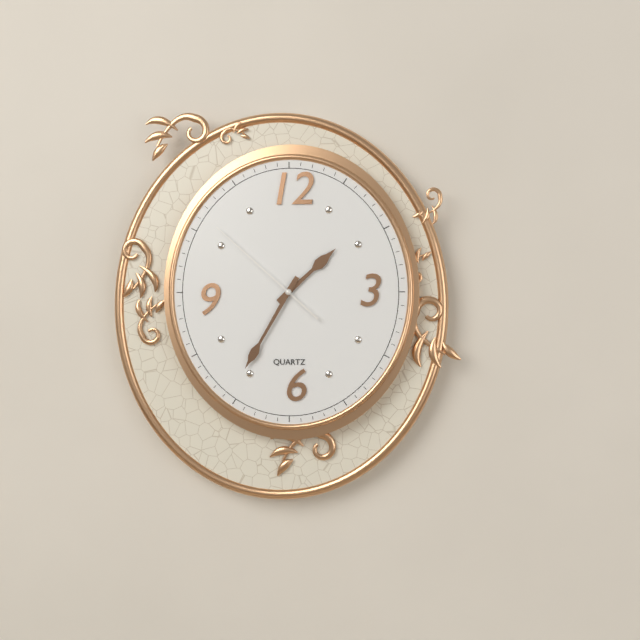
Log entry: {"hour": 1, "minute": 35, "second": 52}
